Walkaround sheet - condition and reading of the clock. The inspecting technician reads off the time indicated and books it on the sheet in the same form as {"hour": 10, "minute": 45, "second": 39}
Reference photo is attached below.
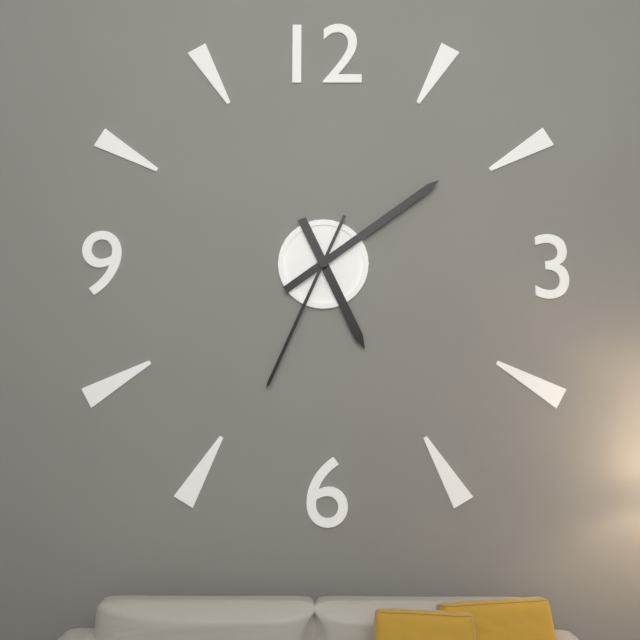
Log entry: {"hour": 5, "minute": 9, "second": 34}
